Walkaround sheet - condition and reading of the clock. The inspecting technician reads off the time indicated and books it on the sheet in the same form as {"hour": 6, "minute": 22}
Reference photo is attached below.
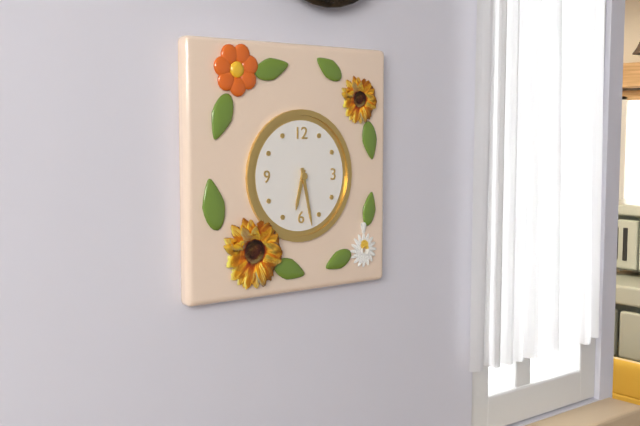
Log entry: {"hour": 6, "minute": 28}
